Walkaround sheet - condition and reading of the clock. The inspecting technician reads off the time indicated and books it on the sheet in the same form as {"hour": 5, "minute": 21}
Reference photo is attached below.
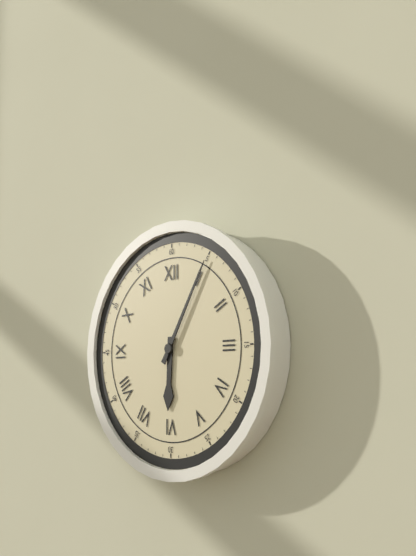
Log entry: {"hour": 6, "minute": 5}
